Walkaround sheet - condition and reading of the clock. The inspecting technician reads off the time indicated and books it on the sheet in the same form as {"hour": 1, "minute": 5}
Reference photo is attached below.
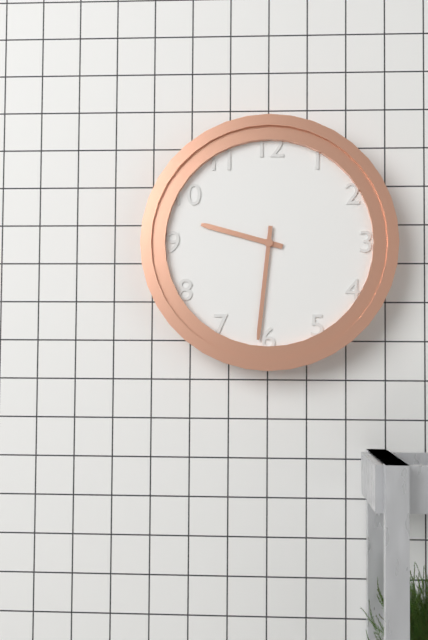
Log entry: {"hour": 9, "minute": 31}
